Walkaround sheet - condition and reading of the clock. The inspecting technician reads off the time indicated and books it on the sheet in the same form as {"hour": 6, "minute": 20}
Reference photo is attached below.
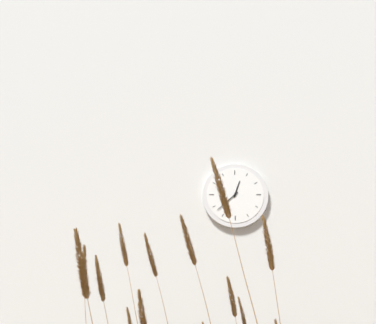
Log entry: {"hour": 12, "minute": 38}
